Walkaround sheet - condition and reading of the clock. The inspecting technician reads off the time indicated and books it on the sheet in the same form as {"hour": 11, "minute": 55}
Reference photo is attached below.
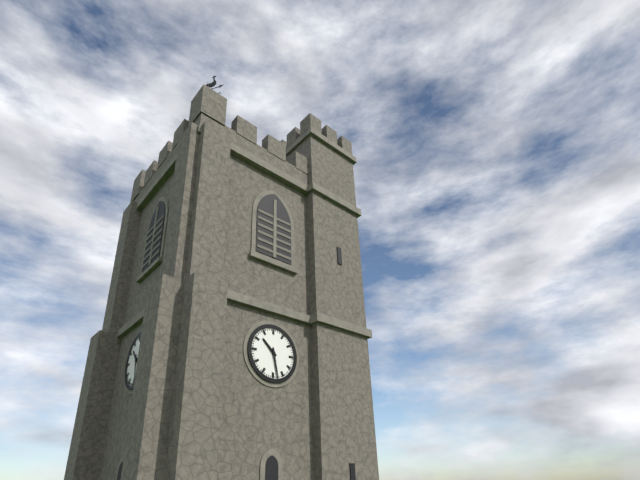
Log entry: {"hour": 10, "minute": 28}
